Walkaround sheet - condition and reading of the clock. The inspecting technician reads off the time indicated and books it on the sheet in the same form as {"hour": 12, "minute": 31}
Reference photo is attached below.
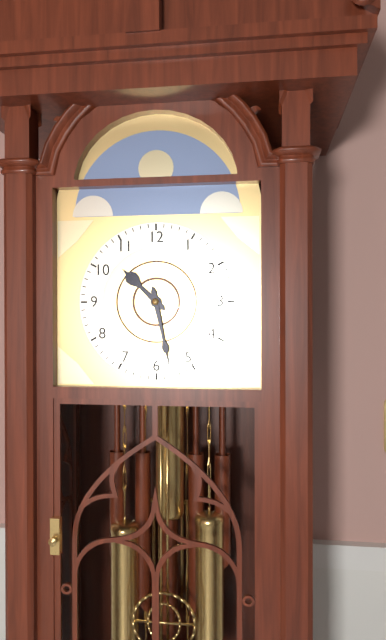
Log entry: {"hour": 10, "minute": 28}
